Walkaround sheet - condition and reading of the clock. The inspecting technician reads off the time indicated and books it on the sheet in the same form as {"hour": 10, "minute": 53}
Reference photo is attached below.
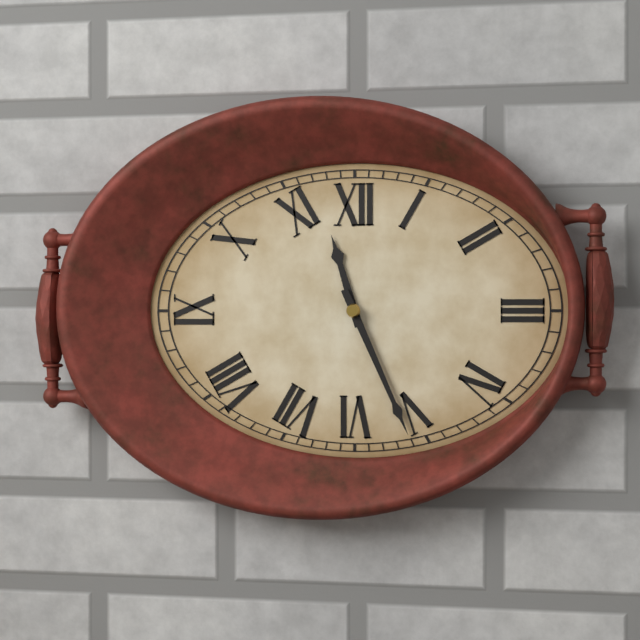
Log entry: {"hour": 11, "minute": 26}
